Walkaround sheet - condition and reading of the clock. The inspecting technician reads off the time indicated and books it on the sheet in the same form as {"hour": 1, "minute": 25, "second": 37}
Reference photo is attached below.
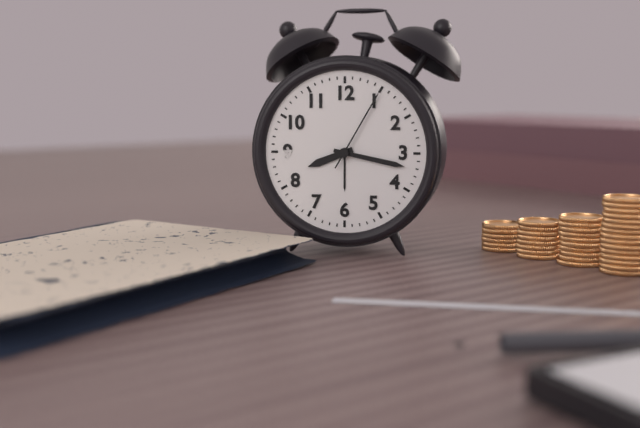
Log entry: {"hour": 8, "minute": 17, "second": 5}
